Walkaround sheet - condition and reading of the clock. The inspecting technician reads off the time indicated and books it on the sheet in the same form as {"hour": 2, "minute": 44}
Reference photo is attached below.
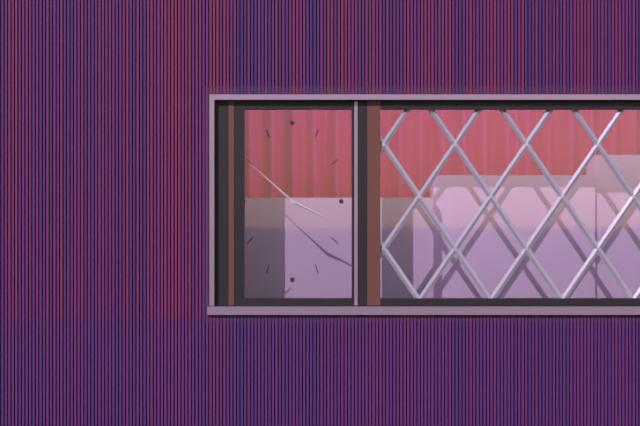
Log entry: {"hour": 3, "minute": 52}
